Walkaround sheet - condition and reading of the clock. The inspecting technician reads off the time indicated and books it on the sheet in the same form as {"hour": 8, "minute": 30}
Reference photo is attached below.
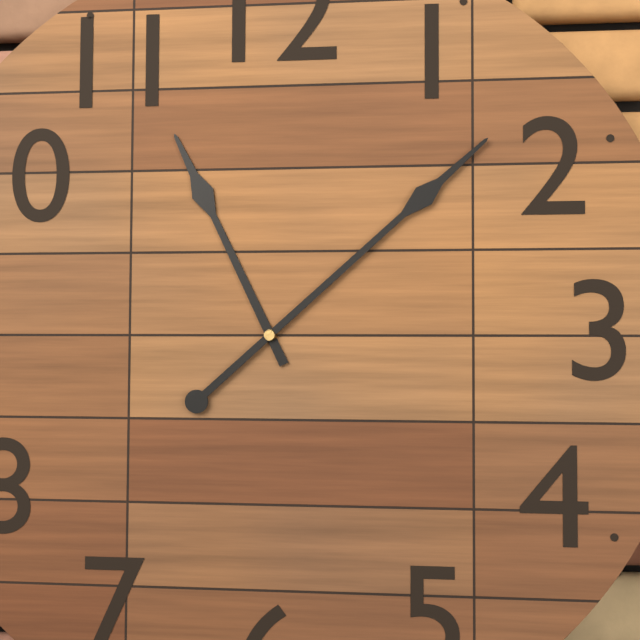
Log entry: {"hour": 11, "minute": 8}
